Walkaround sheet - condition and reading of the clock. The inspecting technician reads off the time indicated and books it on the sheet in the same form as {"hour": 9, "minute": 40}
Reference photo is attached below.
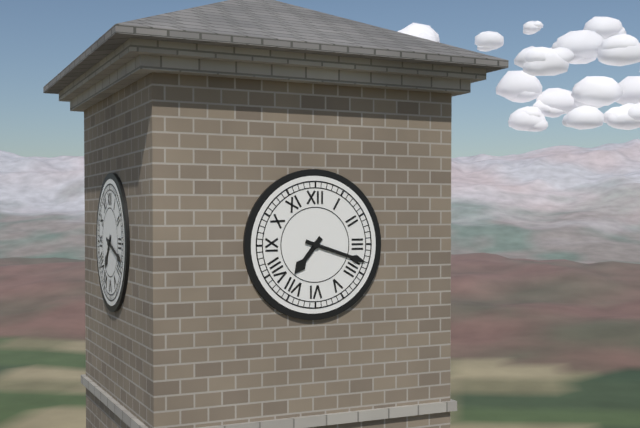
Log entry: {"hour": 7, "minute": 18}
